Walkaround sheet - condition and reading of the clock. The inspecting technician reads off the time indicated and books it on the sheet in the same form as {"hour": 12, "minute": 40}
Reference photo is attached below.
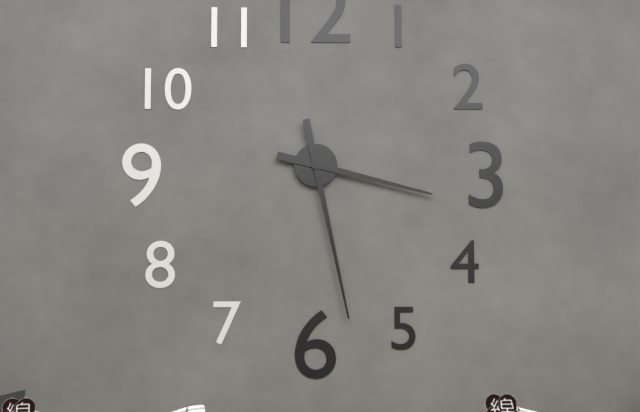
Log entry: {"hour": 3, "minute": 28}
